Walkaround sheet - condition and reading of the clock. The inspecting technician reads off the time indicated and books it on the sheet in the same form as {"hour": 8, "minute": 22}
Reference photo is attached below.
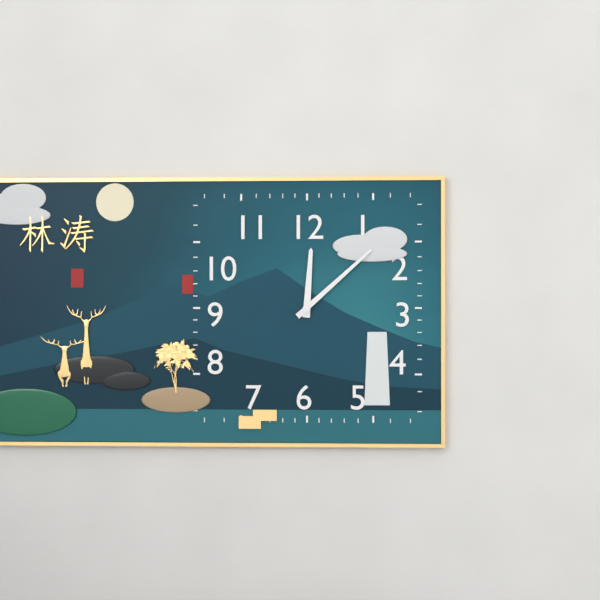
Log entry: {"hour": 12, "minute": 8}
